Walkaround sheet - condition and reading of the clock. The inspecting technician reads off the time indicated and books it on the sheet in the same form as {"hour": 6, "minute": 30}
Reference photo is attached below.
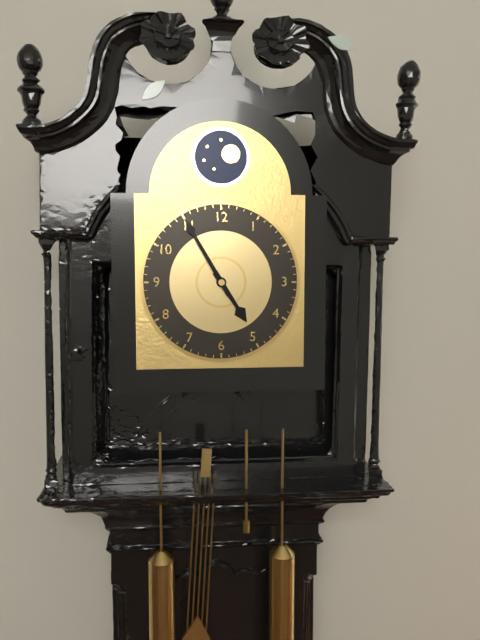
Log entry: {"hour": 4, "minute": 55}
